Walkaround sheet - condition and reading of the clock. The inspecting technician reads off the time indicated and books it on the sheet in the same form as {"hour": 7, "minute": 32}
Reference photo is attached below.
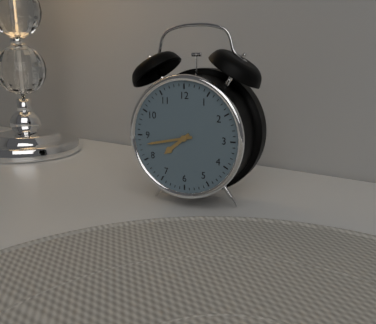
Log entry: {"hour": 7, "minute": 43}
